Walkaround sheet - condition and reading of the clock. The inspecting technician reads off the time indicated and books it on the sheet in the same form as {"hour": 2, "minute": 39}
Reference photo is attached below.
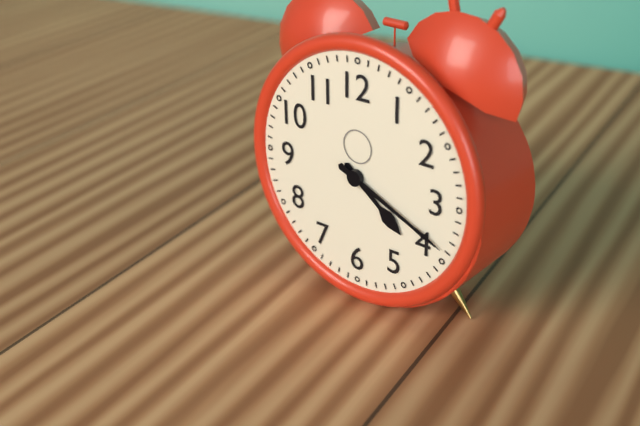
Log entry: {"hour": 4, "minute": 19}
